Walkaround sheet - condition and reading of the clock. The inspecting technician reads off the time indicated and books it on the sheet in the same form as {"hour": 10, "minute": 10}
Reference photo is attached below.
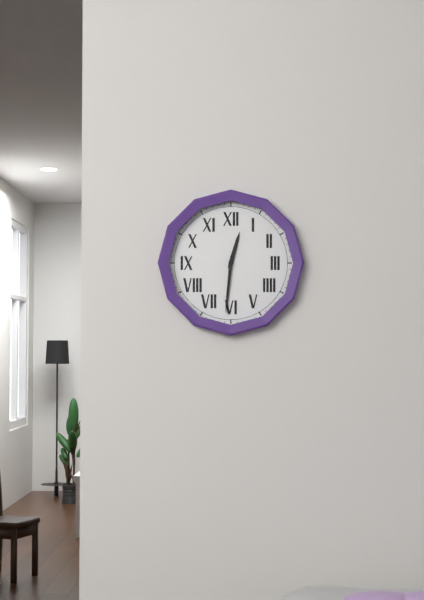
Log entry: {"hour": 12, "minute": 31}
